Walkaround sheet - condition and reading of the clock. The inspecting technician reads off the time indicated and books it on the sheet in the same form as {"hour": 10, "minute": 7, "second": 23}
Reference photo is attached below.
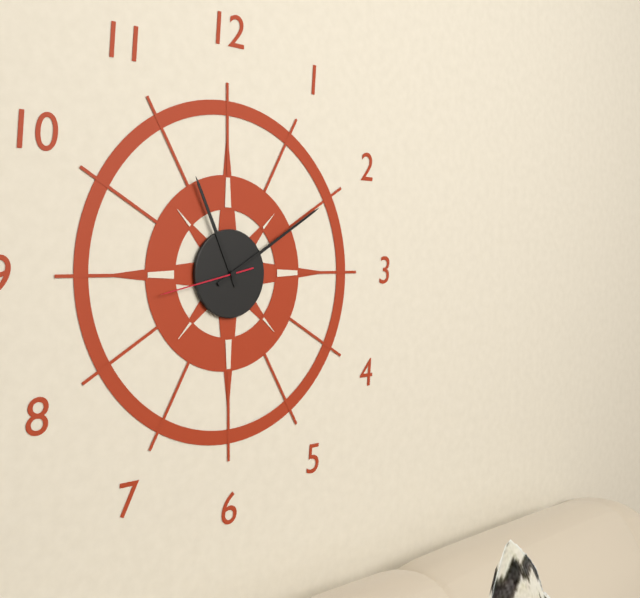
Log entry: {"hour": 11, "minute": 10, "second": 43}
